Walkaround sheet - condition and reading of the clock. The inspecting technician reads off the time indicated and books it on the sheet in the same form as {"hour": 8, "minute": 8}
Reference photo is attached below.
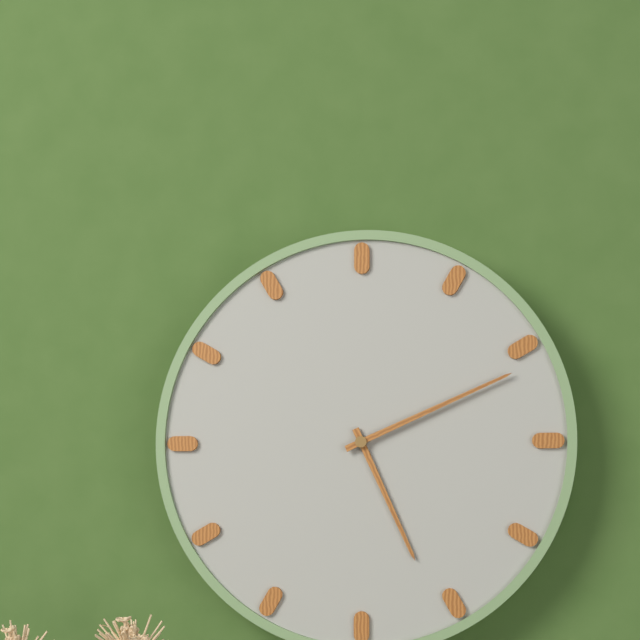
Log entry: {"hour": 5, "minute": 11}
